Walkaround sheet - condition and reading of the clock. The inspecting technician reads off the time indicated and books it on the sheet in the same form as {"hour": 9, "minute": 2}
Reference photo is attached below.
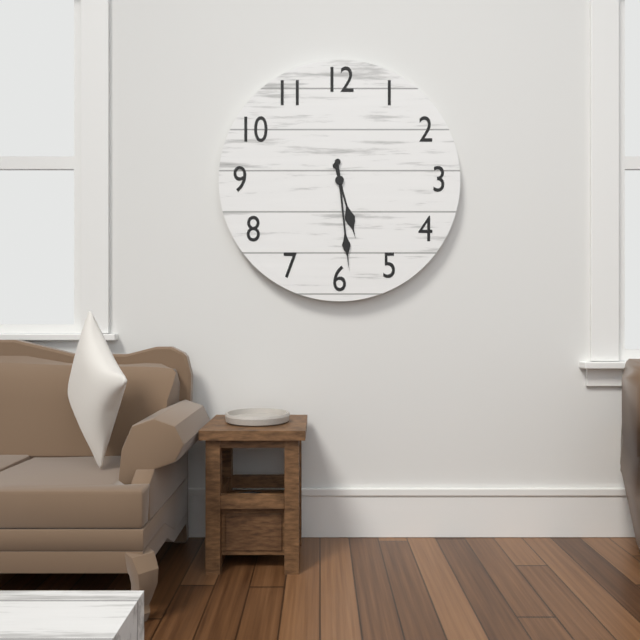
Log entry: {"hour": 5, "minute": 29}
